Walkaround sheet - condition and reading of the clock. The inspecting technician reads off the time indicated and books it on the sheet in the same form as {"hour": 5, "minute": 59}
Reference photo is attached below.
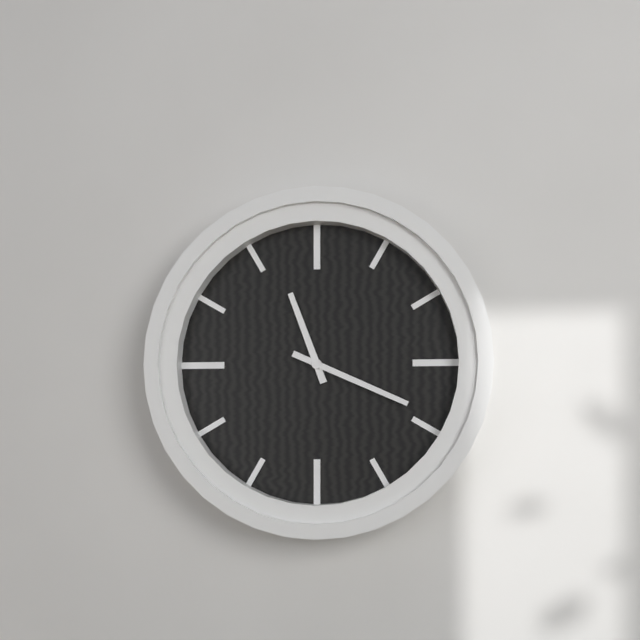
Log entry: {"hour": 11, "minute": 19}
